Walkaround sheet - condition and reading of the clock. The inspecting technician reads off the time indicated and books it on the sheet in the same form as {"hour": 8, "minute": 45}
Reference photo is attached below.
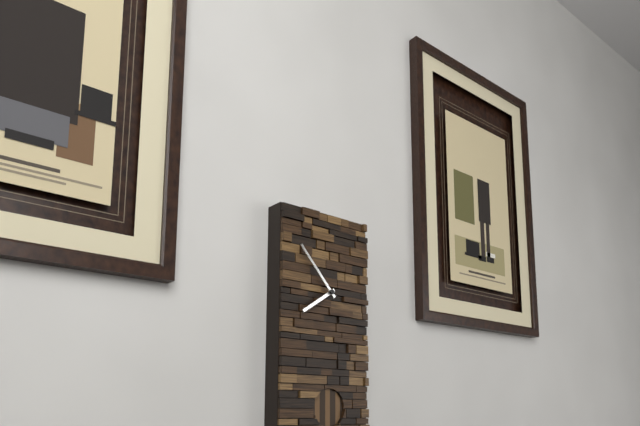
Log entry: {"hour": 7, "minute": 53}
